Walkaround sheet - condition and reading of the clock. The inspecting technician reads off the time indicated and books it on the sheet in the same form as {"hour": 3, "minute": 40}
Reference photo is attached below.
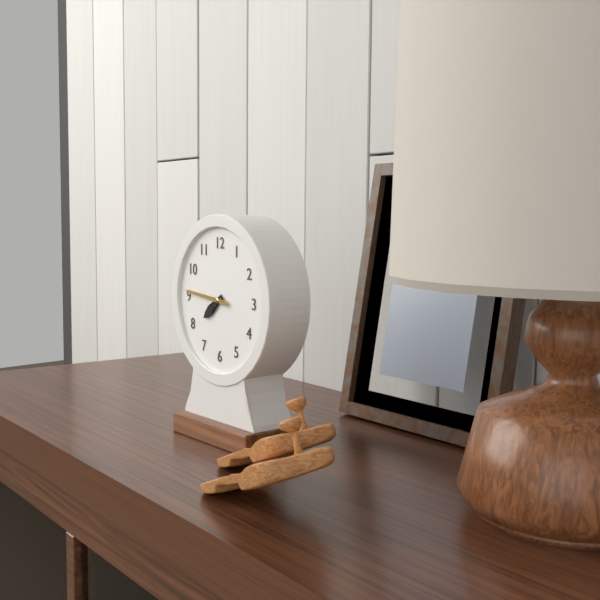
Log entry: {"hour": 7, "minute": 46}
